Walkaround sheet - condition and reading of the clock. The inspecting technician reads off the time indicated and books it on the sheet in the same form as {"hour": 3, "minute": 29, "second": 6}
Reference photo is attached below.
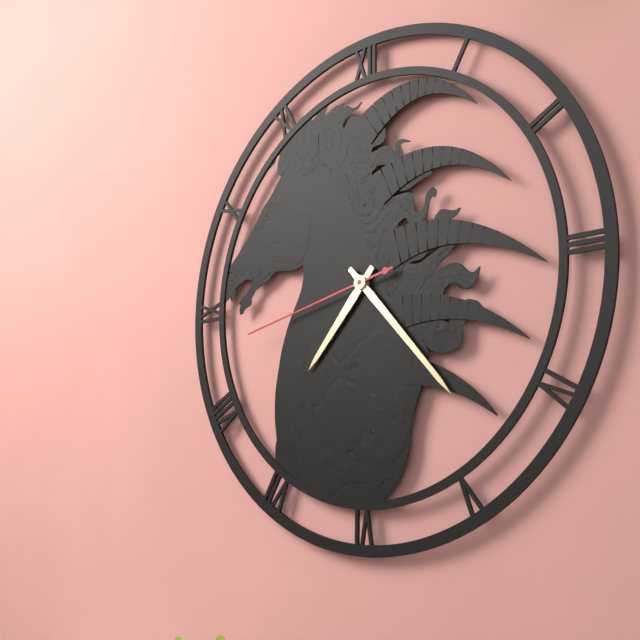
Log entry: {"hour": 7, "minute": 23, "second": 43}
